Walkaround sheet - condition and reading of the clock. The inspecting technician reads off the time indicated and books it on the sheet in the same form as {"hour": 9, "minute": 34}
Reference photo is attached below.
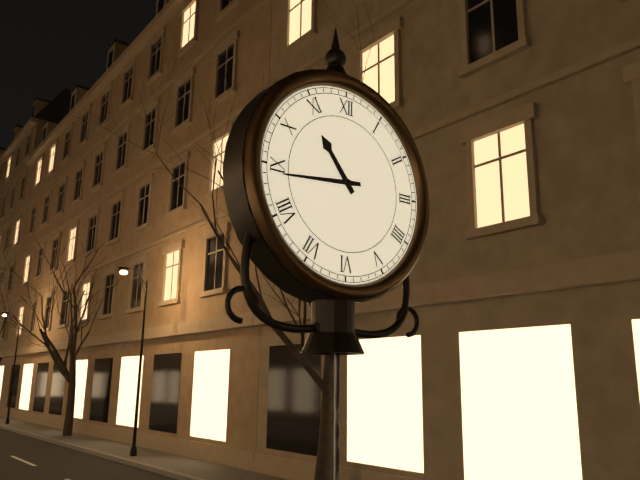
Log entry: {"hour": 10, "minute": 44}
